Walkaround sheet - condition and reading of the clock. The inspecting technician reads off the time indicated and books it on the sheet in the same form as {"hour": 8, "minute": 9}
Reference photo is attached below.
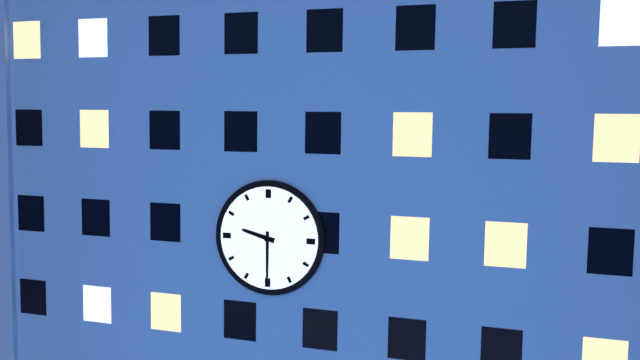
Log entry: {"hour": 9, "minute": 30}
